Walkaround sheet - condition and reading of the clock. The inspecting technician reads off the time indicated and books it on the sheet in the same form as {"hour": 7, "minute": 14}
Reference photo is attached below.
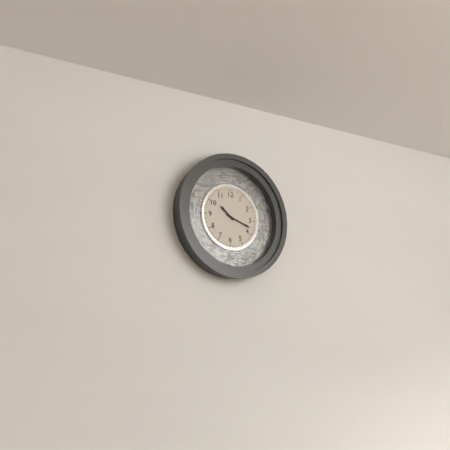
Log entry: {"hour": 10, "minute": 18}
